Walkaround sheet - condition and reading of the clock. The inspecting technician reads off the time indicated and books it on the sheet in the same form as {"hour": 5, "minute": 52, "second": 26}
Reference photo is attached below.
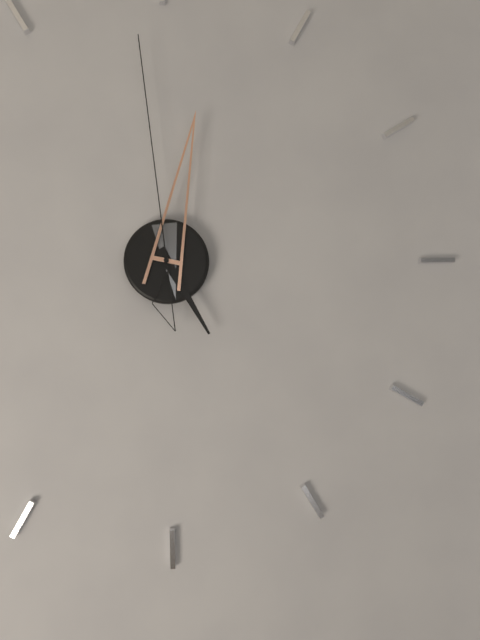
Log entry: {"hour": 5, "minute": 2, "second": 59}
